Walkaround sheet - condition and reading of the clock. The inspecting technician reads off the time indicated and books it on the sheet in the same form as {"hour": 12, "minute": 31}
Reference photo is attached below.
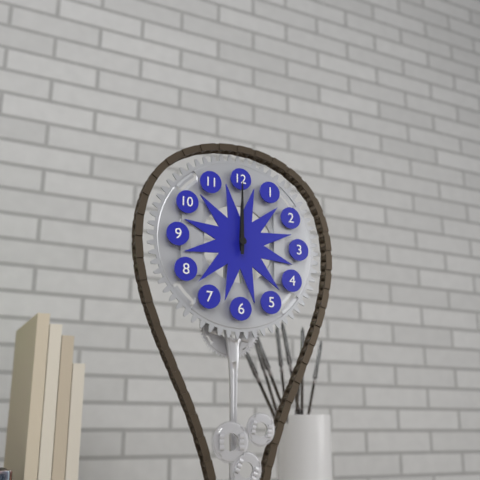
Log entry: {"hour": 12, "minute": 0}
